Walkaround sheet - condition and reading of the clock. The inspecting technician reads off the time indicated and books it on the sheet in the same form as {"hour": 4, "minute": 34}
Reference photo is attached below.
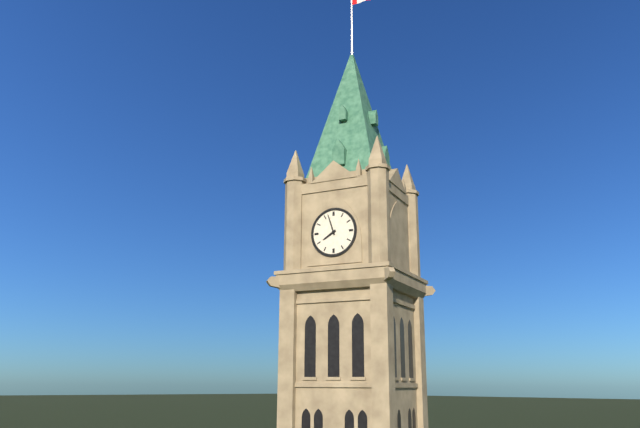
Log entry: {"hour": 7, "minute": 57}
